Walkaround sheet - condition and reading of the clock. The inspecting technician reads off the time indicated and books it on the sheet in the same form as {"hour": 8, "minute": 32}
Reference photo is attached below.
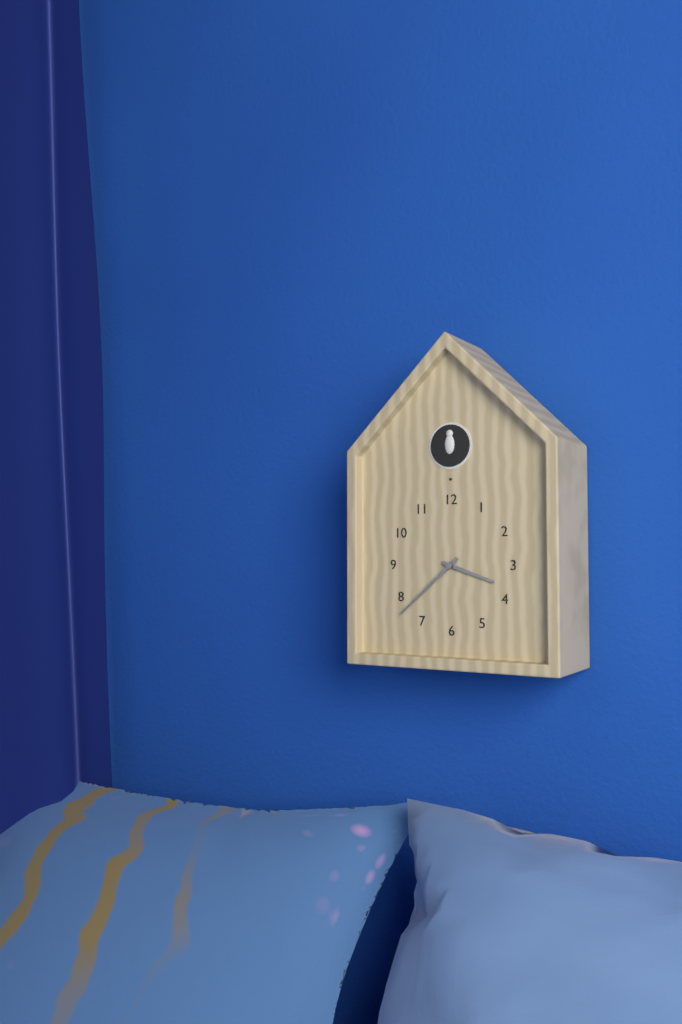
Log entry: {"hour": 3, "minute": 38}
